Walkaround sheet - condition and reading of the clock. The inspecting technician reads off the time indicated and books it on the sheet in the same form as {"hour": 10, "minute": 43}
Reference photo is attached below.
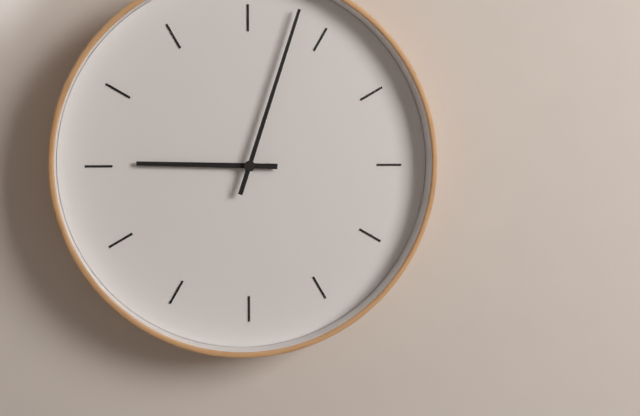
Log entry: {"hour": 9, "minute": 3}
